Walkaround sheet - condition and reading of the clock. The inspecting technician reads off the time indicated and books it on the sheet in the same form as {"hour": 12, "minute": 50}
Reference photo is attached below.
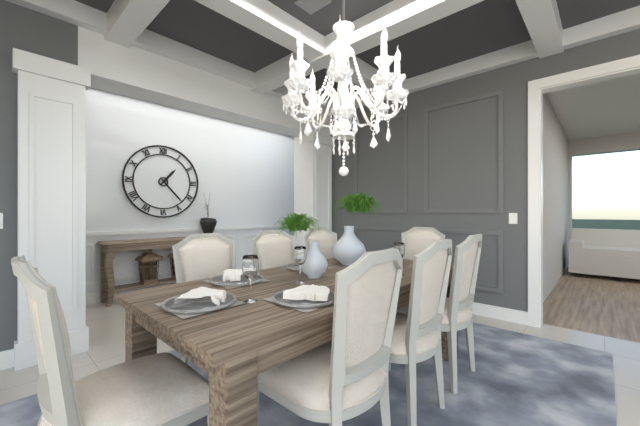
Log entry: {"hour": 1, "minute": 23}
